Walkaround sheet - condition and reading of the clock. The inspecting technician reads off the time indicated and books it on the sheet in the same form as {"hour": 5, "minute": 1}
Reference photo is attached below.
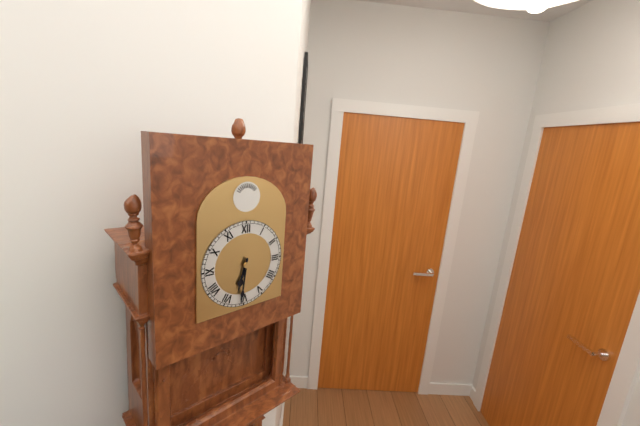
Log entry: {"hour": 6, "minute": 31}
